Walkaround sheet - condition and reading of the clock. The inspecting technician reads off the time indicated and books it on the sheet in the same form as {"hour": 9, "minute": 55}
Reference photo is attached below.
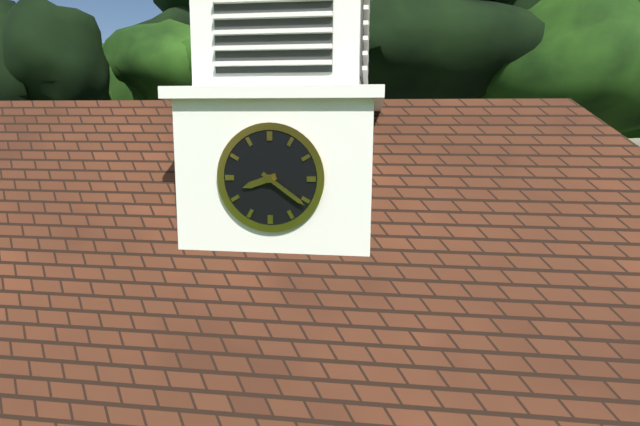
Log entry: {"hour": 8, "minute": 21}
